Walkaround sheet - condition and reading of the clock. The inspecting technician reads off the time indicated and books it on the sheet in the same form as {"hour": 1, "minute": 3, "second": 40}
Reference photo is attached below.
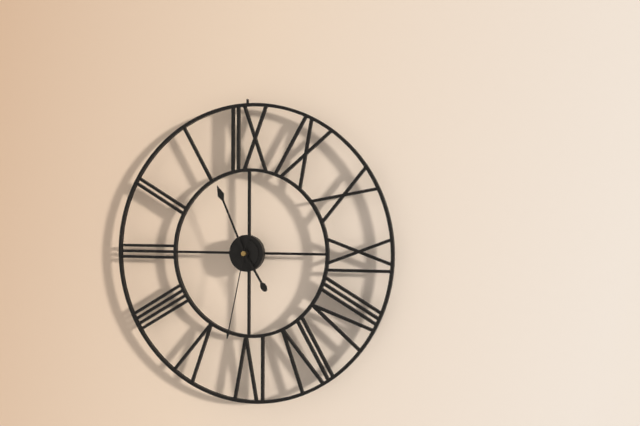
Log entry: {"hour": 4, "minute": 56, "second": 32}
